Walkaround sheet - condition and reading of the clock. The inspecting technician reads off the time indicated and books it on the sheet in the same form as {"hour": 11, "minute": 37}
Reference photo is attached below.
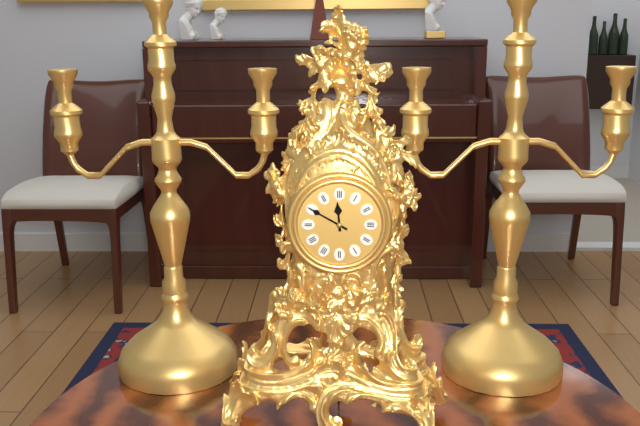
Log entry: {"hour": 11, "minute": 50}
